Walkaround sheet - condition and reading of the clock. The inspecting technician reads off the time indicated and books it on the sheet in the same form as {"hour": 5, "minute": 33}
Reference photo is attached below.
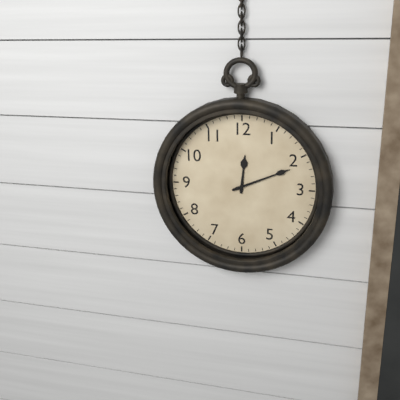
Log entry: {"hour": 12, "minute": 11}
